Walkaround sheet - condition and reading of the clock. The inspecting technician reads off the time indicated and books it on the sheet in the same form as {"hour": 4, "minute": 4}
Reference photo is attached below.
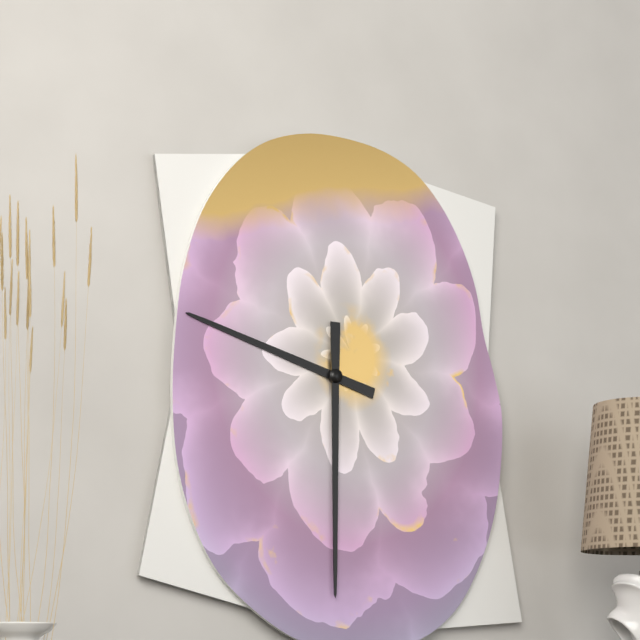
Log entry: {"hour": 9, "minute": 30}
